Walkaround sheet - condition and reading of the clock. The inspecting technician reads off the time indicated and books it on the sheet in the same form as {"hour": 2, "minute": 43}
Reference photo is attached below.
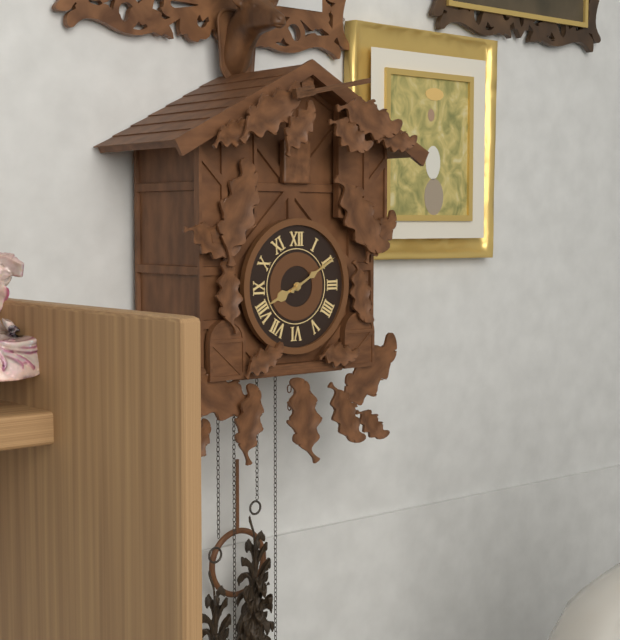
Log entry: {"hour": 8, "minute": 10}
